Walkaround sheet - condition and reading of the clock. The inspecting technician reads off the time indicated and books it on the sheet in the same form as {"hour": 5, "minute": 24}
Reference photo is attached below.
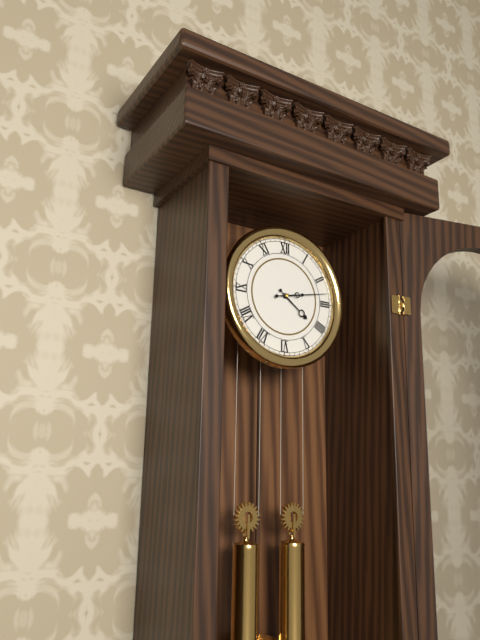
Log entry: {"hour": 4, "minute": 13}
